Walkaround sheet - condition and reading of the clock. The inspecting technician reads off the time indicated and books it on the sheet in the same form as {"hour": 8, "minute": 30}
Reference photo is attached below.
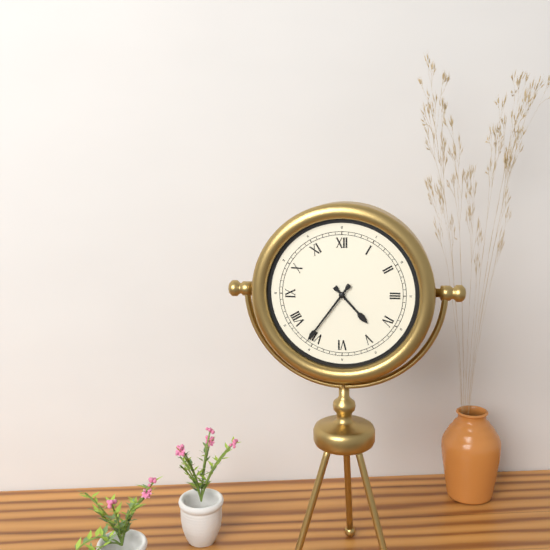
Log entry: {"hour": 4, "minute": 36}
